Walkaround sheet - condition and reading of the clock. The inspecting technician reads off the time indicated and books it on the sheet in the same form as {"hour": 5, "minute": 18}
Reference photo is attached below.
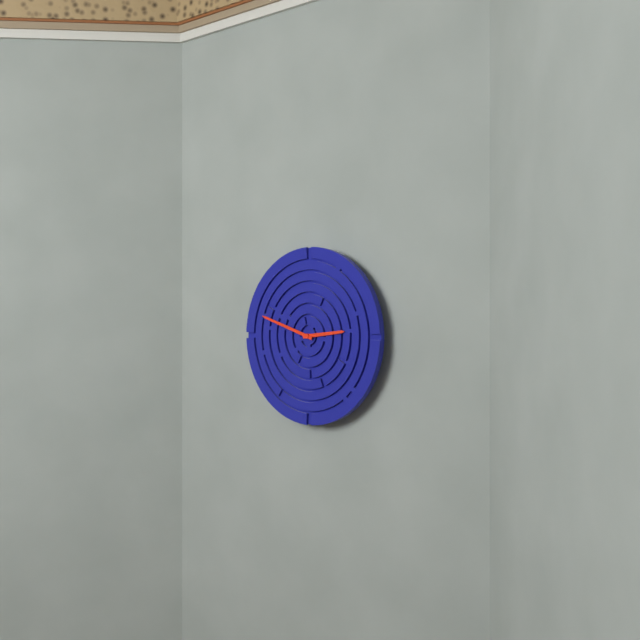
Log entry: {"hour": 2, "minute": 48}
